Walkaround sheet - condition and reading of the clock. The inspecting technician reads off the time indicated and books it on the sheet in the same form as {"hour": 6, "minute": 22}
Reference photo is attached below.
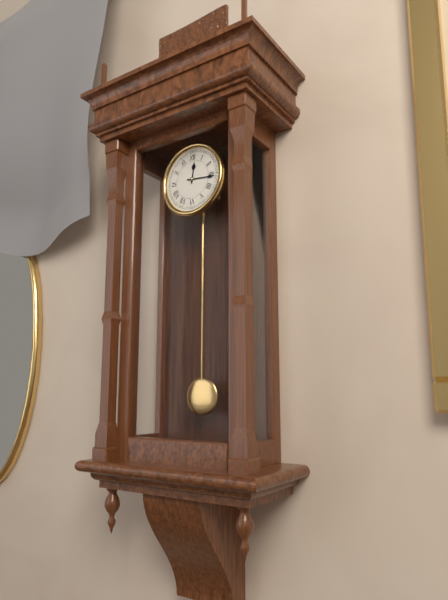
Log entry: {"hour": 12, "minute": 16}
